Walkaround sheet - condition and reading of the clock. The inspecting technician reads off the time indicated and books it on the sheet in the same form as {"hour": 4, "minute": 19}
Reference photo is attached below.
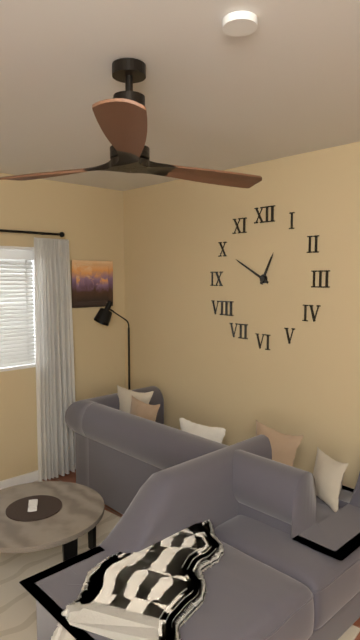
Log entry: {"hour": 12, "minute": 50}
